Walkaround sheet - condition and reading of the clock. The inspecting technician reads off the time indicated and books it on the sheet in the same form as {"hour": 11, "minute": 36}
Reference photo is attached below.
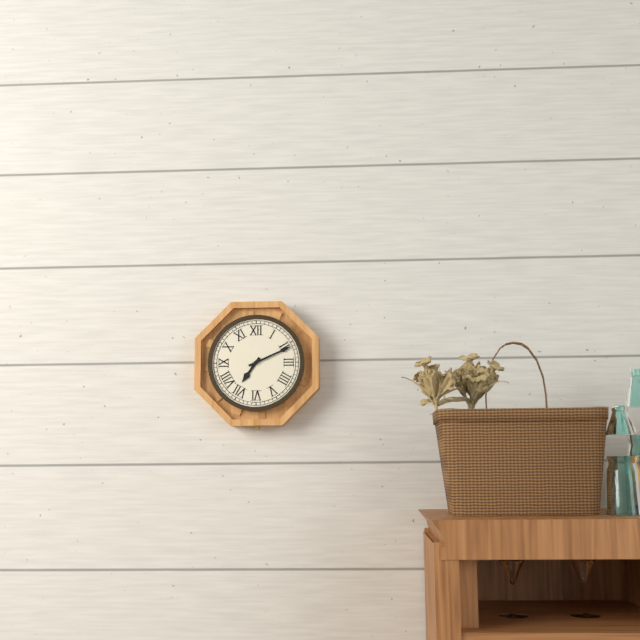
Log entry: {"hour": 7, "minute": 11}
